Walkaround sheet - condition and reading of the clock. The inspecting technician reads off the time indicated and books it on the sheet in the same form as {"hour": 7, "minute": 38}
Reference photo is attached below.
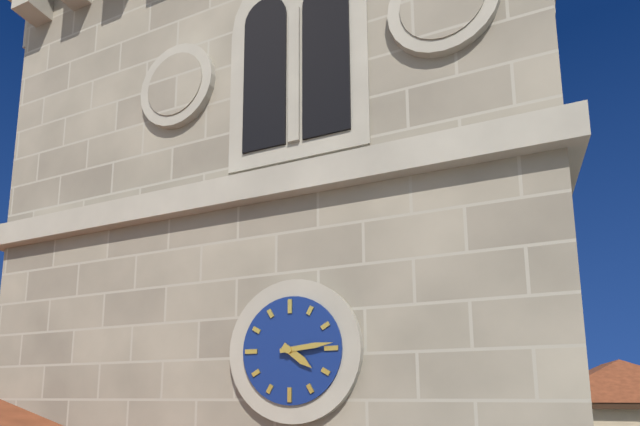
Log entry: {"hour": 4, "minute": 14}
